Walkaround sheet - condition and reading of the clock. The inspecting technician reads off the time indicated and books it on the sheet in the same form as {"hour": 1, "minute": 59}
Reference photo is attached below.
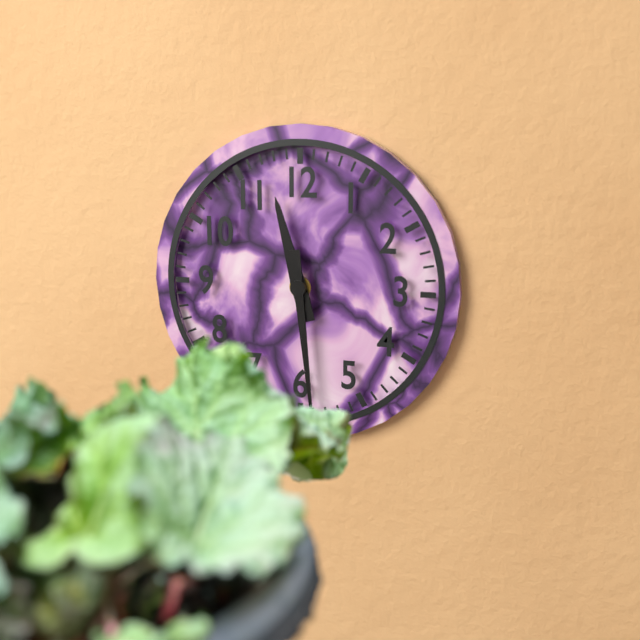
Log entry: {"hour": 11, "minute": 29}
